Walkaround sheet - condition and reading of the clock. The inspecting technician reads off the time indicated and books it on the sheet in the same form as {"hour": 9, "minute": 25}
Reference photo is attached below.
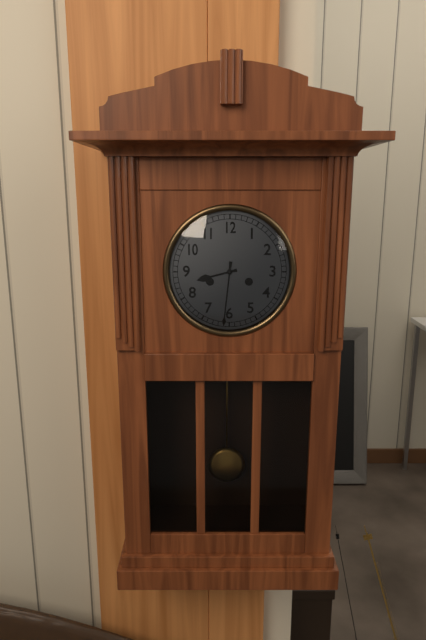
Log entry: {"hour": 8, "minute": 31}
